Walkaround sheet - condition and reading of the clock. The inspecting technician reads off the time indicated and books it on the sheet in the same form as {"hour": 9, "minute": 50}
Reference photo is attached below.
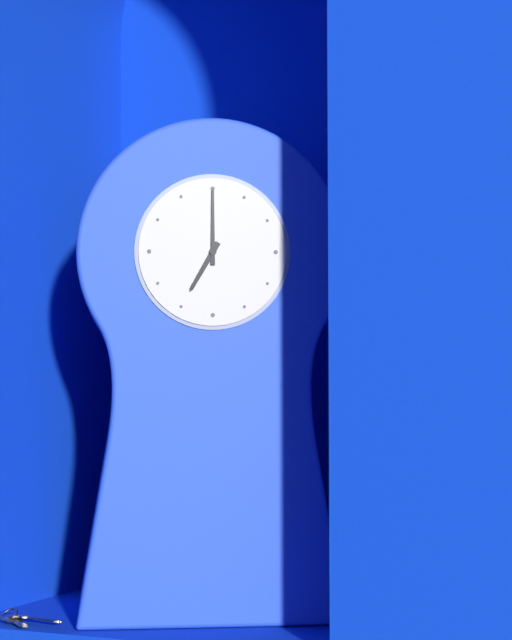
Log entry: {"hour": 7, "minute": 0}
